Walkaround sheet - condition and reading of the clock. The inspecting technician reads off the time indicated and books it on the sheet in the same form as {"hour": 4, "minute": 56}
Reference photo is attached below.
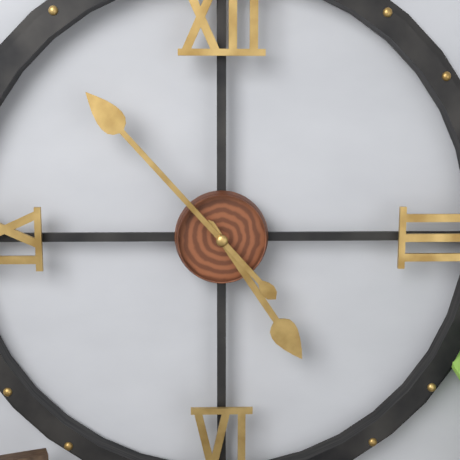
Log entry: {"hour": 4, "minute": 53}
